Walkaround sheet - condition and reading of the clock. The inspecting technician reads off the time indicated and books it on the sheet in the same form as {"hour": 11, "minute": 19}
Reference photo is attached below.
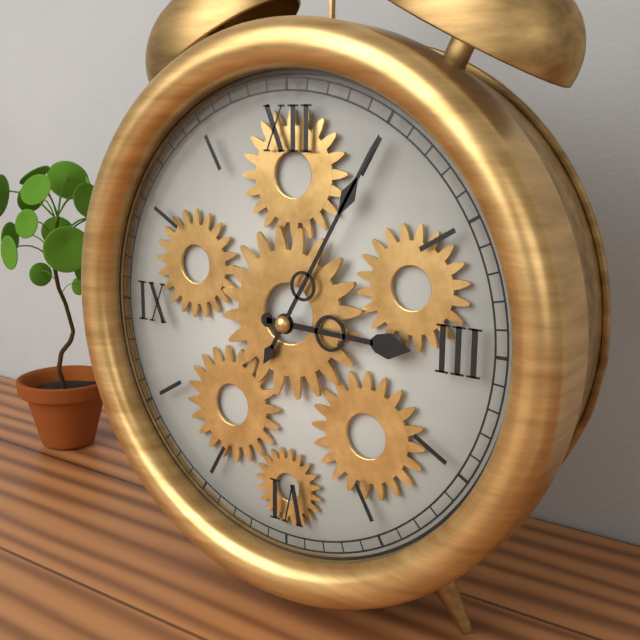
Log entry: {"hour": 3, "minute": 5}
